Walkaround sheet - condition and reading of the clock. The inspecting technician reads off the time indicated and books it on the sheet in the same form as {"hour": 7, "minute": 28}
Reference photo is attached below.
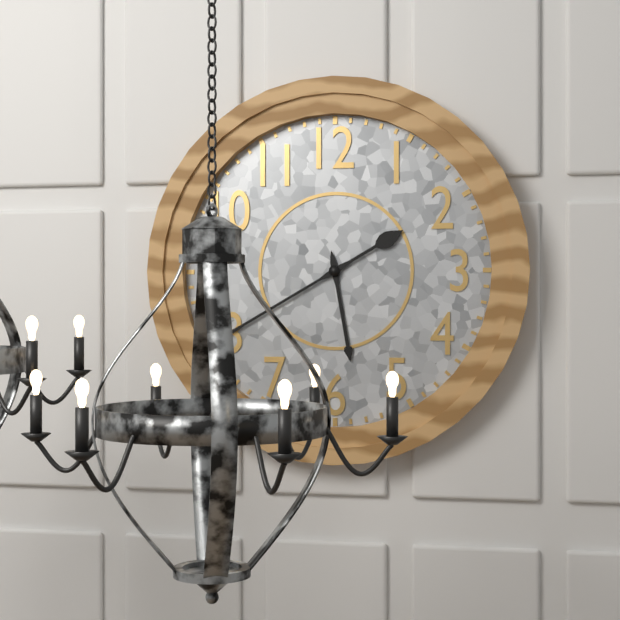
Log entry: {"hour": 5, "minute": 40}
